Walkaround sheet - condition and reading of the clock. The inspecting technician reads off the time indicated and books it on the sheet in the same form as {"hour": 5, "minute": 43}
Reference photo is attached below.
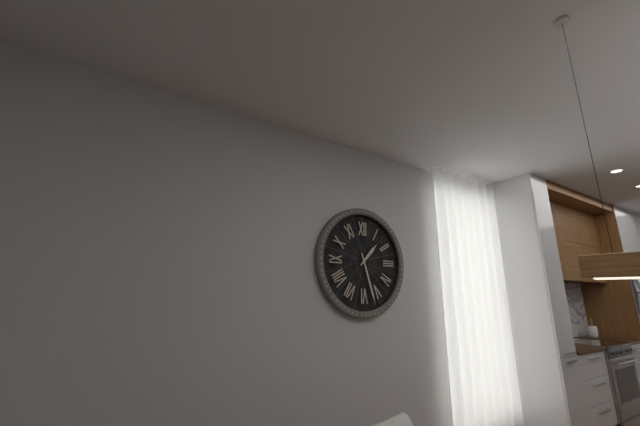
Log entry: {"hour": 1, "minute": 27}
